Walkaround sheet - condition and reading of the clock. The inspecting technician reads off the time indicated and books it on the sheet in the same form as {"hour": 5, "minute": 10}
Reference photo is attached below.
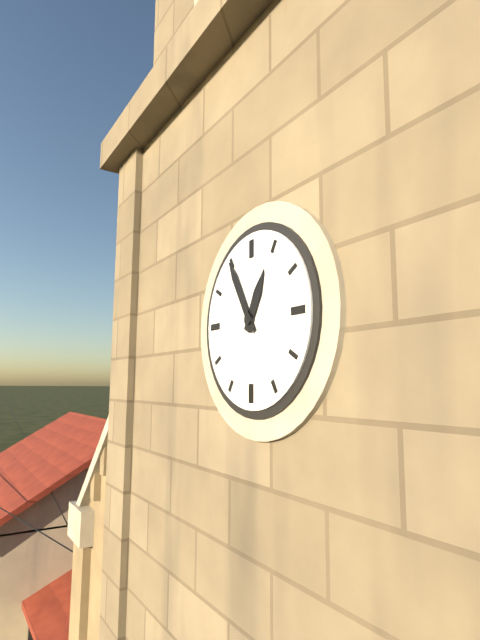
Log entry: {"hour": 12, "minute": 55}
